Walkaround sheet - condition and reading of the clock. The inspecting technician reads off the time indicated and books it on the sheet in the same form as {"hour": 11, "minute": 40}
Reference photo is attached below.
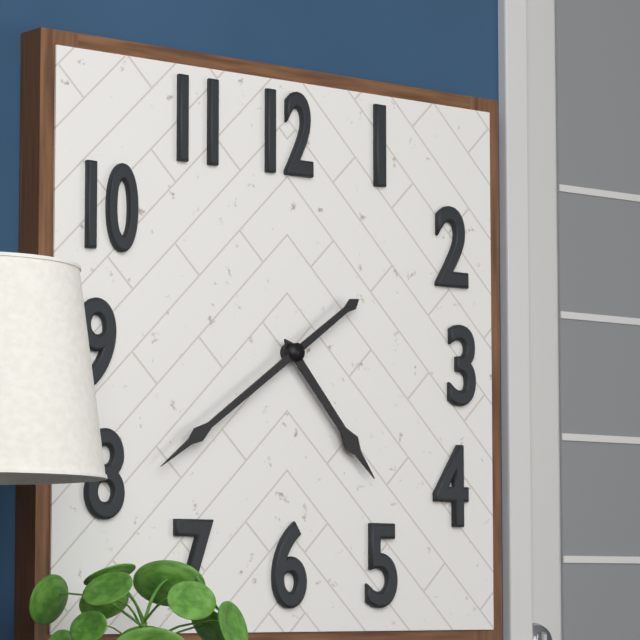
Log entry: {"hour": 4, "minute": 39}
